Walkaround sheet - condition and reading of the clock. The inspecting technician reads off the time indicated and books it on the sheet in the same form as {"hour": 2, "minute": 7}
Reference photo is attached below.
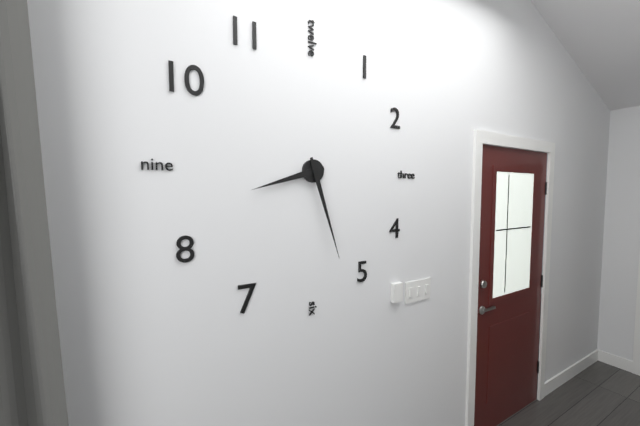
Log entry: {"hour": 8, "minute": 27}
